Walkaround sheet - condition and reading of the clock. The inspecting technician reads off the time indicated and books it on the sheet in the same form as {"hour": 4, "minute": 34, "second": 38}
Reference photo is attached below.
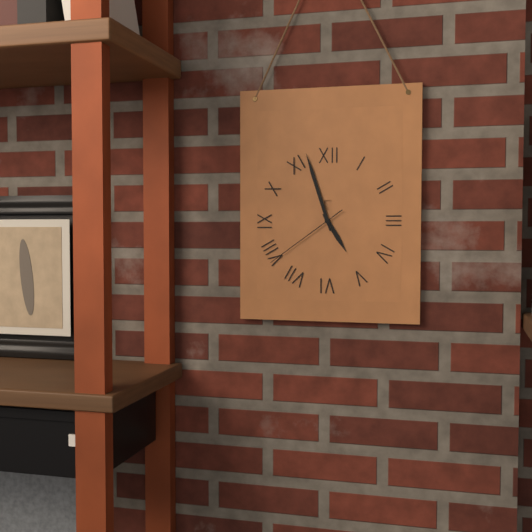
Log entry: {"hour": 4, "minute": 57, "second": 39}
